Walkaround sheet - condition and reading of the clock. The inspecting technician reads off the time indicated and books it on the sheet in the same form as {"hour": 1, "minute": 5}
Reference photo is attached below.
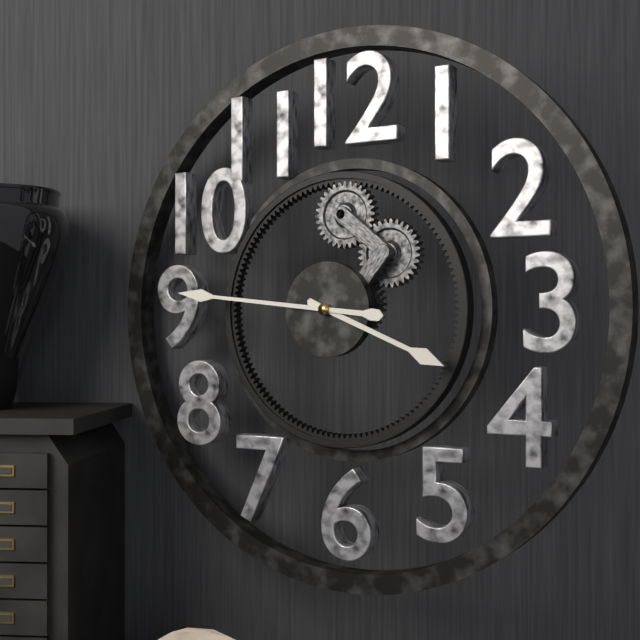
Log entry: {"hour": 3, "minute": 46}
